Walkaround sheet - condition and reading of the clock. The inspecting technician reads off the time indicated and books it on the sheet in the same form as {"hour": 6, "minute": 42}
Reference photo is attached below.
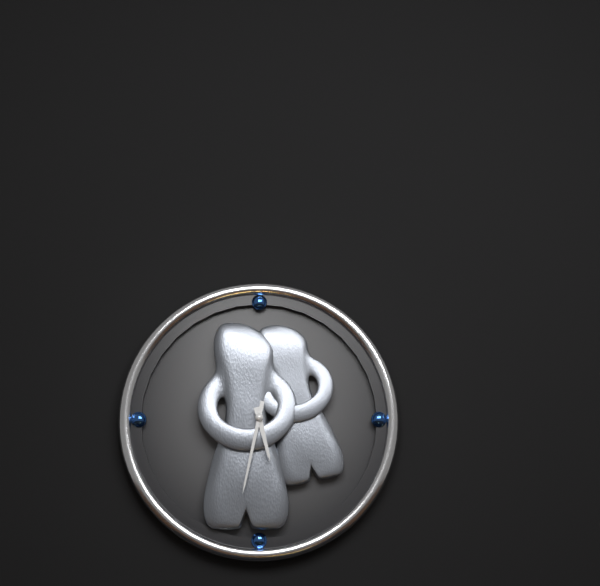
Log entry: {"hour": 5, "minute": 32}
